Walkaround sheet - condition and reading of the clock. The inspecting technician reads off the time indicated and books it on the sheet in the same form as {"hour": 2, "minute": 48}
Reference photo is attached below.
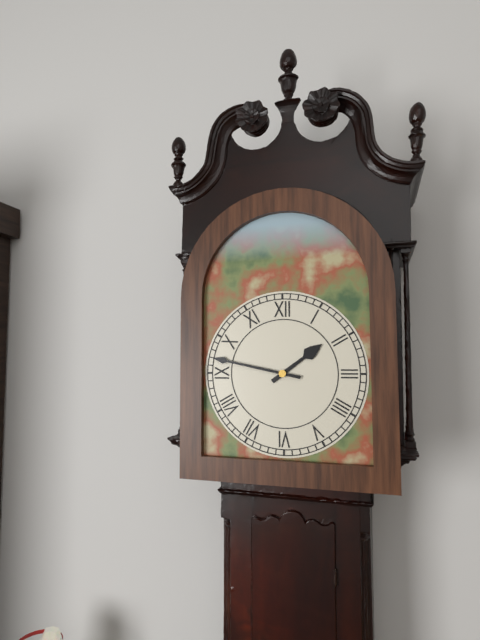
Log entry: {"hour": 1, "minute": 47}
